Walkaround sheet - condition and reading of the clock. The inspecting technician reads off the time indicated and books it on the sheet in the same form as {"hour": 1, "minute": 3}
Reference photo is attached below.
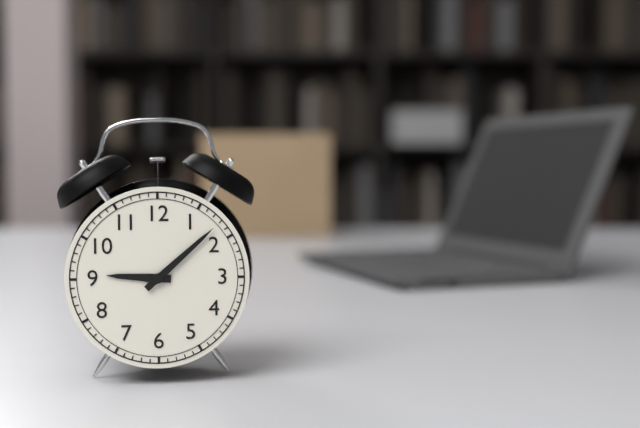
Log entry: {"hour": 9, "minute": 8}
